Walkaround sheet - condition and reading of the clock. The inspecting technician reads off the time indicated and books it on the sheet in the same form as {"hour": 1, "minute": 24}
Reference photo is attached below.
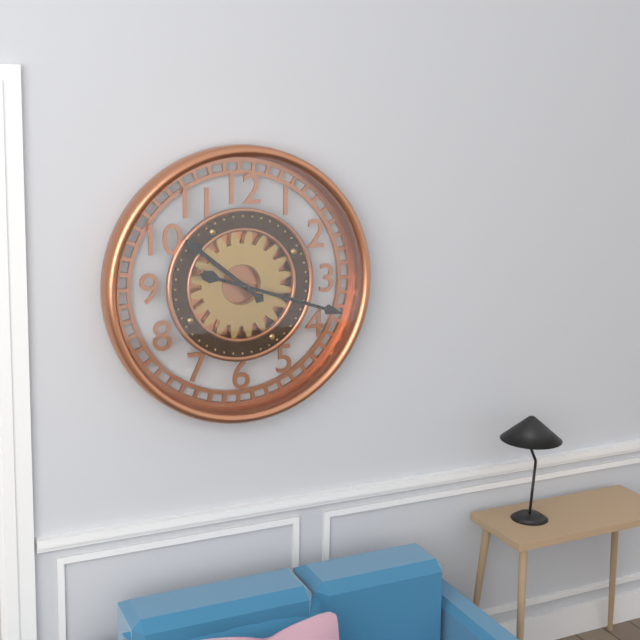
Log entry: {"hour": 10, "minute": 18}
